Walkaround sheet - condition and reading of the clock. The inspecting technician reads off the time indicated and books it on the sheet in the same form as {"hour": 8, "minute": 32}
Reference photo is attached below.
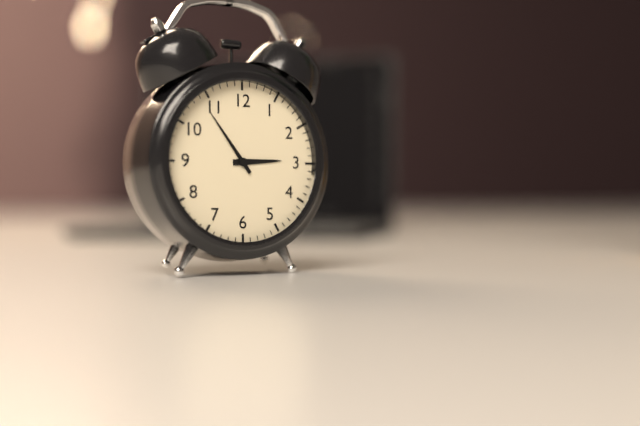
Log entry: {"hour": 2, "minute": 54}
